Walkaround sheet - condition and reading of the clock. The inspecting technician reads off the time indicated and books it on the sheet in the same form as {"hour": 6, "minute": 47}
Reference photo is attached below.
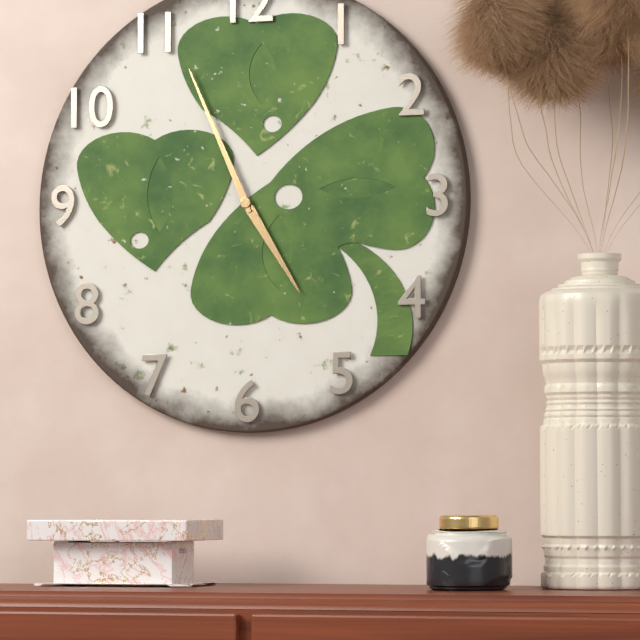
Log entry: {"hour": 4, "minute": 56}
